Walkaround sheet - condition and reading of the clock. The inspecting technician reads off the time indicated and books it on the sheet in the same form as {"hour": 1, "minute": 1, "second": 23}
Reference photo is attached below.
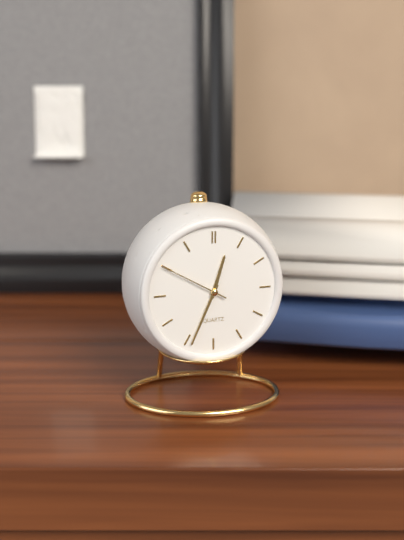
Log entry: {"hour": 12, "minute": 34, "second": 50}
